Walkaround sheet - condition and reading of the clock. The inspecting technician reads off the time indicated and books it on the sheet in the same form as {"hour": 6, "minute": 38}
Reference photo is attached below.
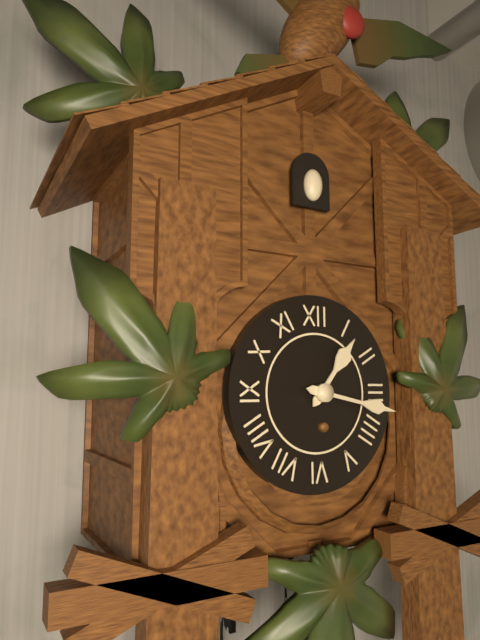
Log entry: {"hour": 1, "minute": 17}
